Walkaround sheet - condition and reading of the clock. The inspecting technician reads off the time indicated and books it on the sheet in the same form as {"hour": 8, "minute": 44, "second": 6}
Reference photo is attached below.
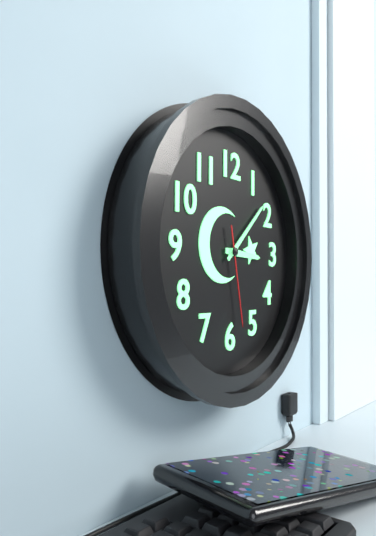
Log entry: {"hour": 3, "minute": 8, "second": 28}
